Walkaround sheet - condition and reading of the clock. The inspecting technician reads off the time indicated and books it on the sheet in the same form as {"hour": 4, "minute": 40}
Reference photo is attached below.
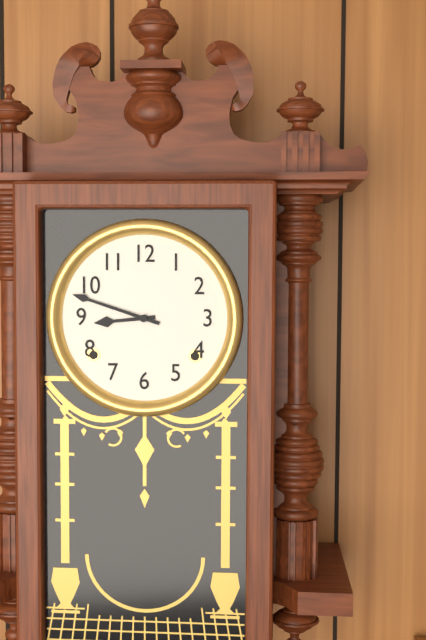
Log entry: {"hour": 8, "minute": 48}
